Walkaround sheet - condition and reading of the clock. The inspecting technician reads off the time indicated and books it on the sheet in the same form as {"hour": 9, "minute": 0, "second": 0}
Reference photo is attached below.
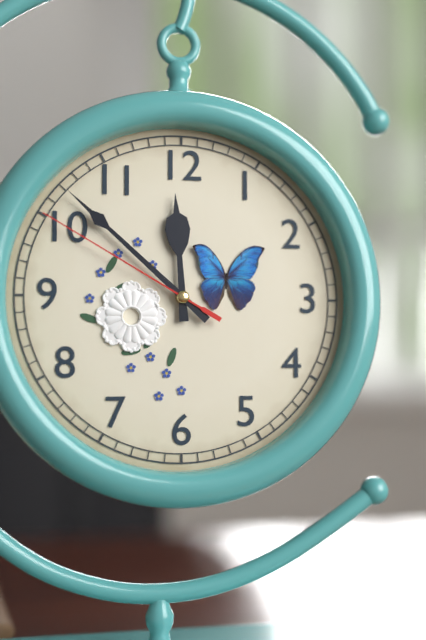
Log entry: {"hour": 11, "minute": 52, "second": 50}
